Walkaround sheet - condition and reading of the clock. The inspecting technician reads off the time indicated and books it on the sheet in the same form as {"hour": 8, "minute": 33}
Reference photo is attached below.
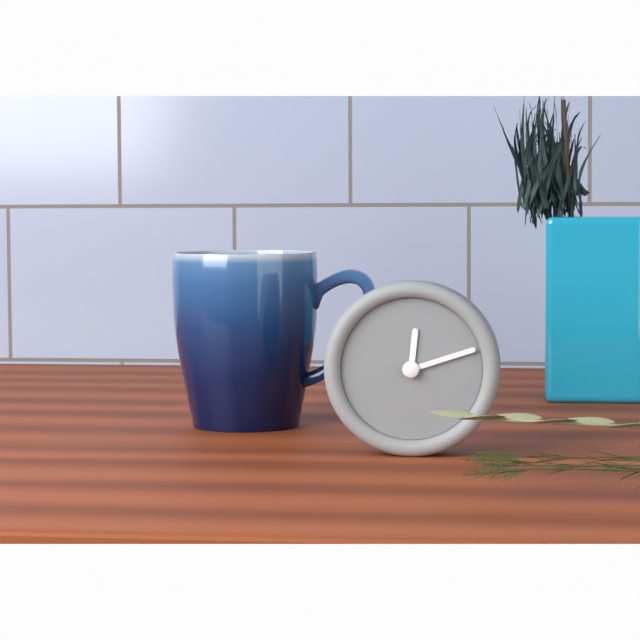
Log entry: {"hour": 12, "minute": 12}
